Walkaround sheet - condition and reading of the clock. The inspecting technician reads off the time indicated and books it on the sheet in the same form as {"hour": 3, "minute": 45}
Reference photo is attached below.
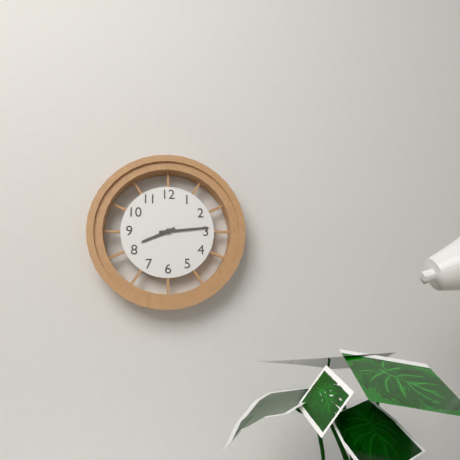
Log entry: {"hour": 8, "minute": 14}
